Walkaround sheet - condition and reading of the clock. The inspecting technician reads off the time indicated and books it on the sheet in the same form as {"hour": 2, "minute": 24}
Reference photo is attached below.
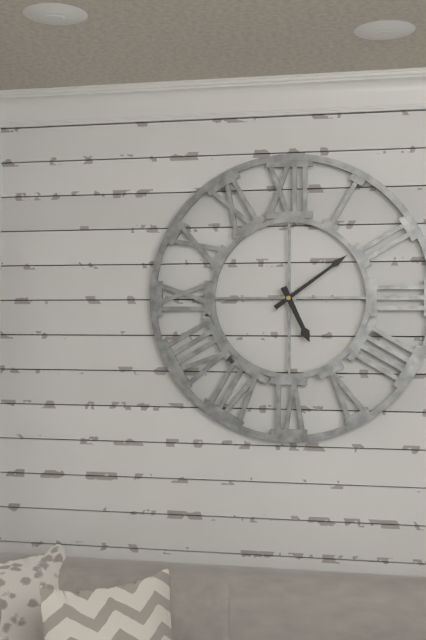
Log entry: {"hour": 5, "minute": 9}
